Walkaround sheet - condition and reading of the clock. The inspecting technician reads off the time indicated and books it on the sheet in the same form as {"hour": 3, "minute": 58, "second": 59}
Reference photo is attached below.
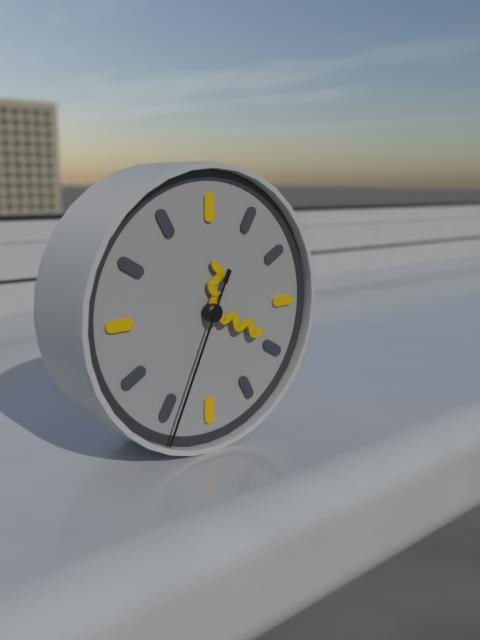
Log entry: {"hour": 12, "minute": 19, "second": 34}
